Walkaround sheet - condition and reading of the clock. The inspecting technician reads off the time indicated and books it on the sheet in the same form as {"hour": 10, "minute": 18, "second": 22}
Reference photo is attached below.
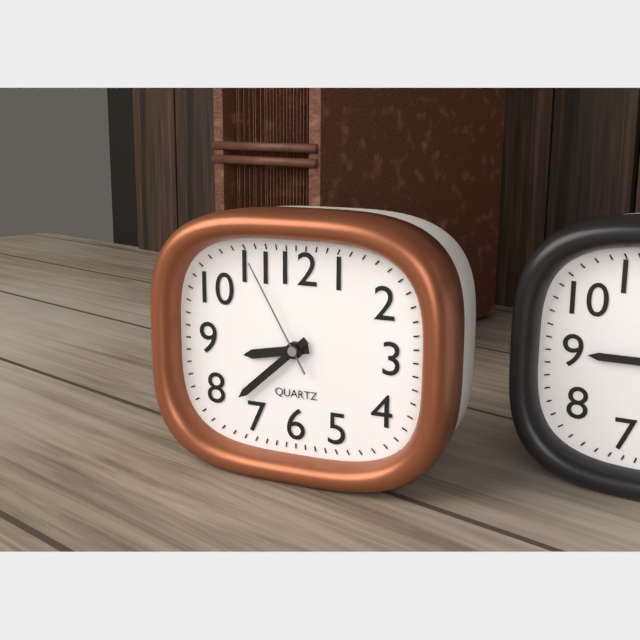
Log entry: {"hour": 8, "minute": 38, "second": 55}
